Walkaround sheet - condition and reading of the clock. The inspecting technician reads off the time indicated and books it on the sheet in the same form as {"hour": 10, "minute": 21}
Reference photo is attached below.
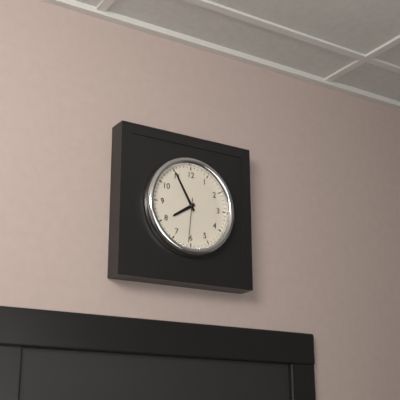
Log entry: {"hour": 7, "minute": 55}
